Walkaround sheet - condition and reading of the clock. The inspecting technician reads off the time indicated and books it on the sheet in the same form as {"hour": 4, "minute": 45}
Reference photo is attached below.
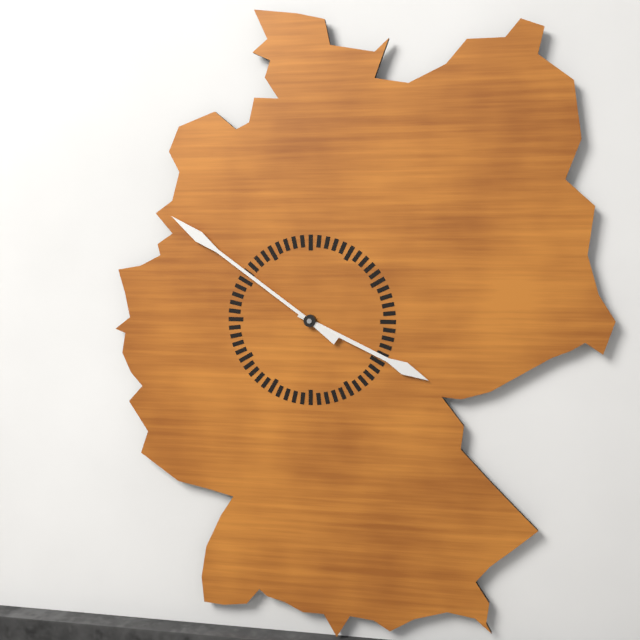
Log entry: {"hour": 3, "minute": 51}
